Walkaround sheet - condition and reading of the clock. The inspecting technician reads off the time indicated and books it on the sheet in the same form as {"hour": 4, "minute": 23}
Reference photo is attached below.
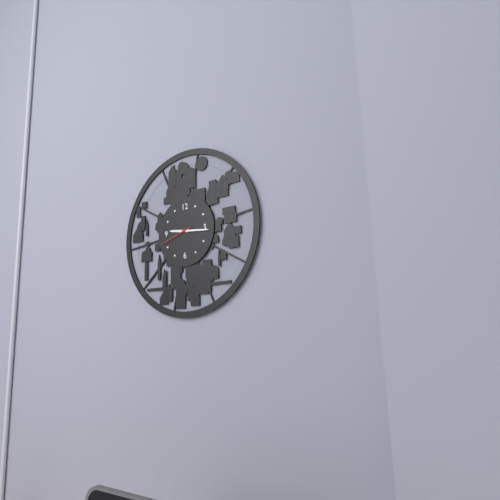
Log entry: {"hour": 9, "minute": 16}
